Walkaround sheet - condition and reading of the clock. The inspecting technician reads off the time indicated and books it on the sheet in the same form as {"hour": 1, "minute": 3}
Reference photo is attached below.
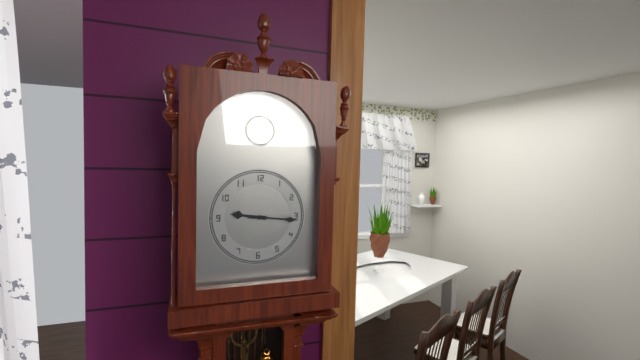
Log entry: {"hour": 9, "minute": 16}
